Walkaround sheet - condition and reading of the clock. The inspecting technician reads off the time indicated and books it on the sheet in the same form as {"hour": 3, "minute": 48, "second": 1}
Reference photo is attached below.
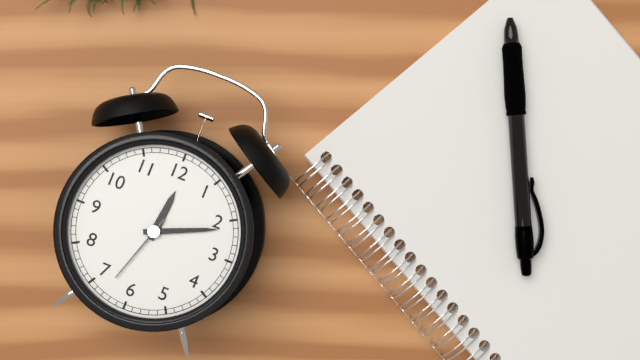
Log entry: {"hour": 12, "minute": 11, "second": 33}
